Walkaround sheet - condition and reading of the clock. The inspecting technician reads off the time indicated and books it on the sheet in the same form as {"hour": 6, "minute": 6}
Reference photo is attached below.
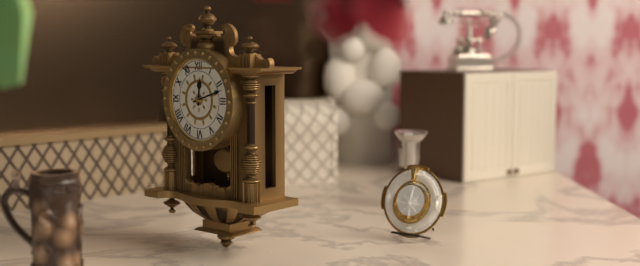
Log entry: {"hour": 12, "minute": 12}
